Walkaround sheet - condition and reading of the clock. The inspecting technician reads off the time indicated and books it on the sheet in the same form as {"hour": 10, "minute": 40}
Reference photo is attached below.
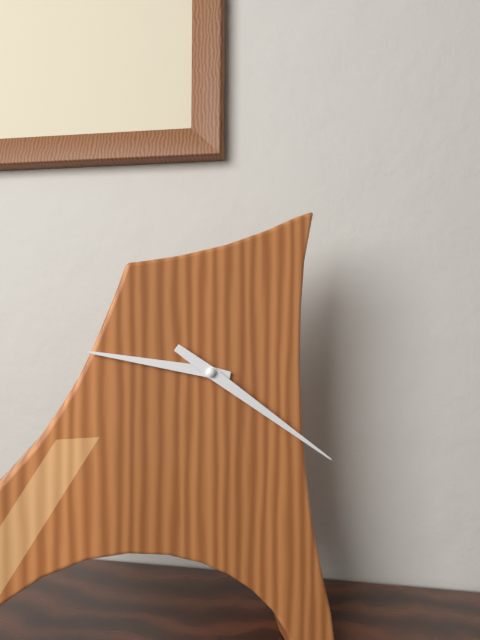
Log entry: {"hour": 9, "minute": 21}
